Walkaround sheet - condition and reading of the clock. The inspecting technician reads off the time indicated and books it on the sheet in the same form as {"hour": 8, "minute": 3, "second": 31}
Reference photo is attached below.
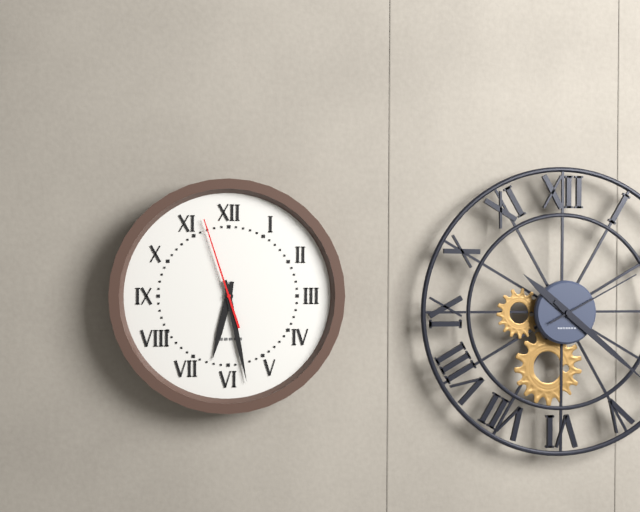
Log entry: {"hour": 6, "minute": 28, "second": 57}
